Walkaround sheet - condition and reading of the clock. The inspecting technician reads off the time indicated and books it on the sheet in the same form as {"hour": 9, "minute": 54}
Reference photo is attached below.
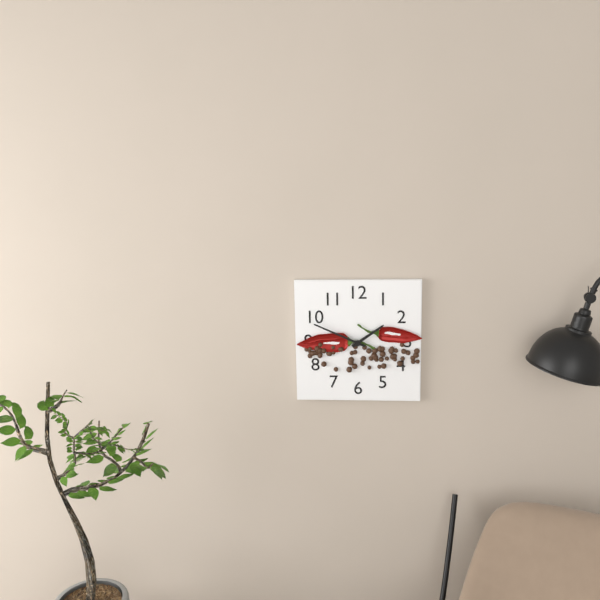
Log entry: {"hour": 1, "minute": 49}
